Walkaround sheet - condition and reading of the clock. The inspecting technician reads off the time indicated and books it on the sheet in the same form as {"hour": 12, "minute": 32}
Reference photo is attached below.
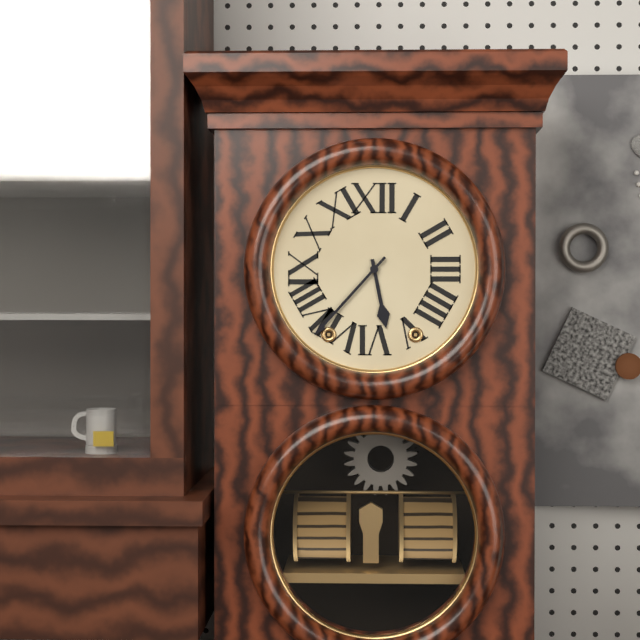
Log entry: {"hour": 5, "minute": 37}
